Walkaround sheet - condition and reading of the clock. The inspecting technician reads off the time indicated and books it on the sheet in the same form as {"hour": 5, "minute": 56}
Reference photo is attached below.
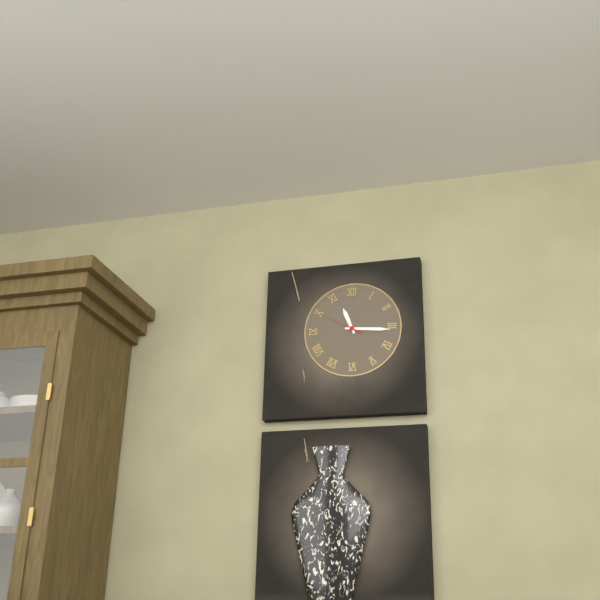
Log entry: {"hour": 11, "minute": 16}
